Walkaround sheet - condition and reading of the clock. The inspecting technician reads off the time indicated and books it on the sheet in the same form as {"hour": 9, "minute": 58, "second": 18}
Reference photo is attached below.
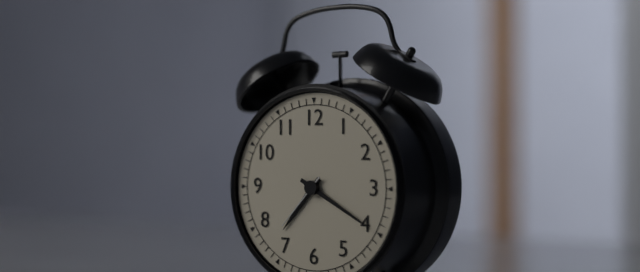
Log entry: {"hour": 7, "minute": 20, "second": 37}
